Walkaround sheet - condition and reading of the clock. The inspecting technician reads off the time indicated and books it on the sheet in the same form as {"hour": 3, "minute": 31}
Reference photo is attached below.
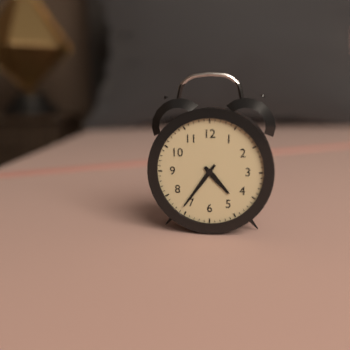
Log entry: {"hour": 4, "minute": 36}
